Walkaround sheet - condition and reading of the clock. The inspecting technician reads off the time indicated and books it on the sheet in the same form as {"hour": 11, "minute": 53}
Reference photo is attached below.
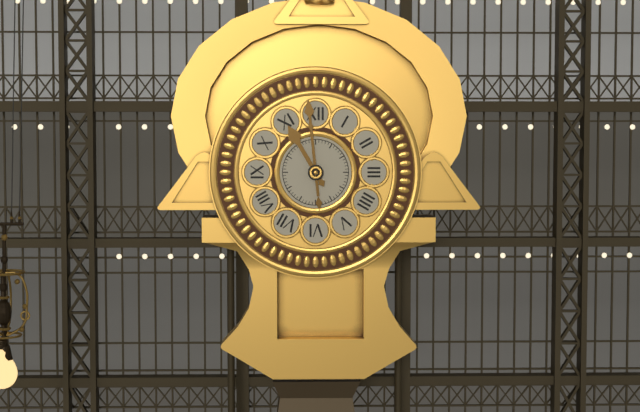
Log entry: {"hour": 10, "minute": 59}
